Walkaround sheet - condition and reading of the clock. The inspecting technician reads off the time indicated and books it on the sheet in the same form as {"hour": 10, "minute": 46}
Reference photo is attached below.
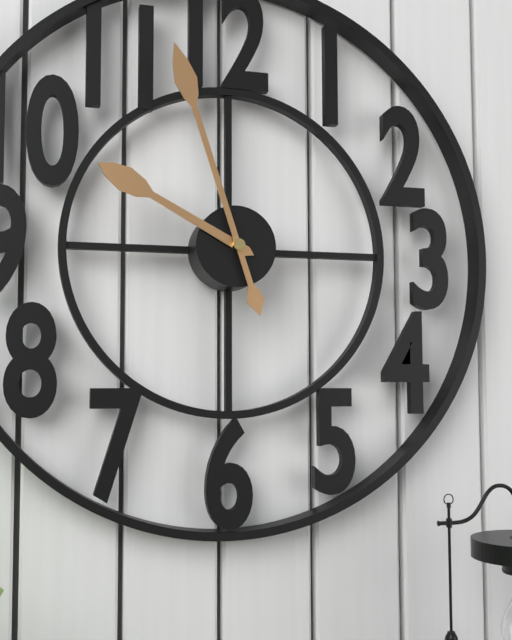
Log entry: {"hour": 9, "minute": 57}
